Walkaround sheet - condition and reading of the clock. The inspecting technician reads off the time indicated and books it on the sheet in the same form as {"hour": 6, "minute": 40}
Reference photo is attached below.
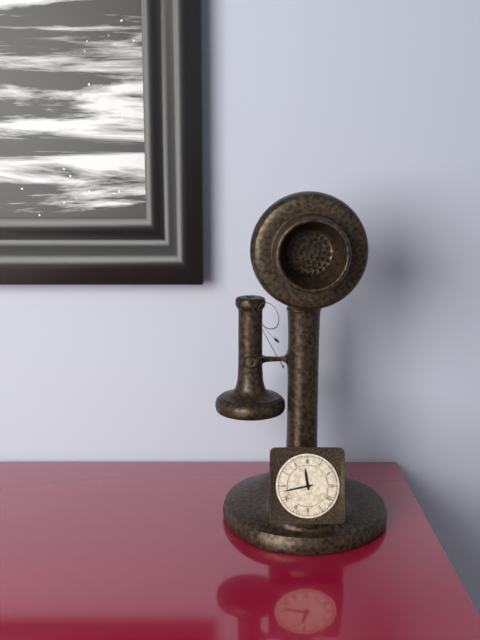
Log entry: {"hour": 11, "minute": 43}
